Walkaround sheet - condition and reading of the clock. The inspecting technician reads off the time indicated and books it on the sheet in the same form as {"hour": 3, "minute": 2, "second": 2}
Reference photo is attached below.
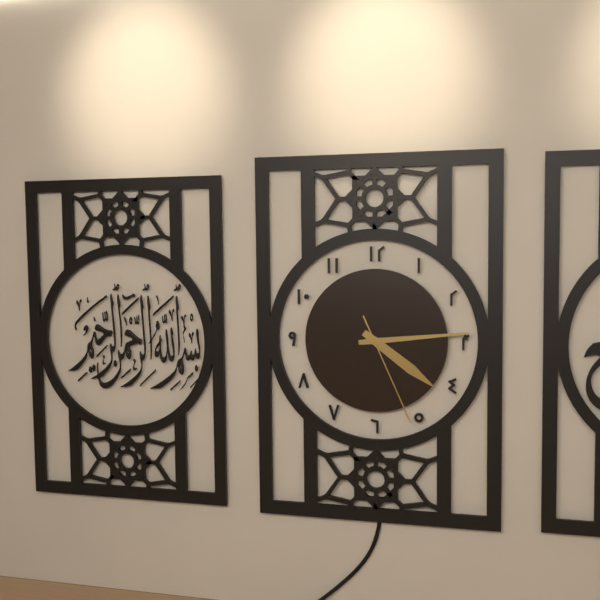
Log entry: {"hour": 4, "minute": 14, "second": 26}
